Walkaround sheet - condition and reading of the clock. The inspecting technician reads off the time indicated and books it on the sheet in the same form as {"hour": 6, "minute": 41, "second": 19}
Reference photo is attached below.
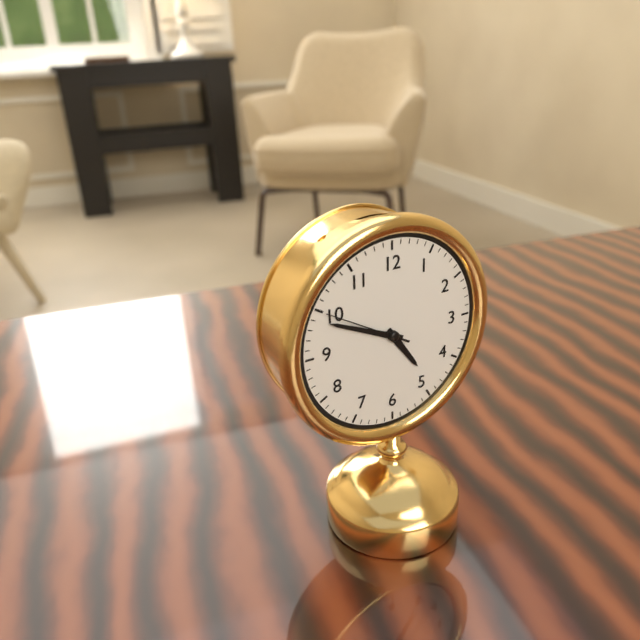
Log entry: {"hour": 4, "minute": 49, "second": 50}
